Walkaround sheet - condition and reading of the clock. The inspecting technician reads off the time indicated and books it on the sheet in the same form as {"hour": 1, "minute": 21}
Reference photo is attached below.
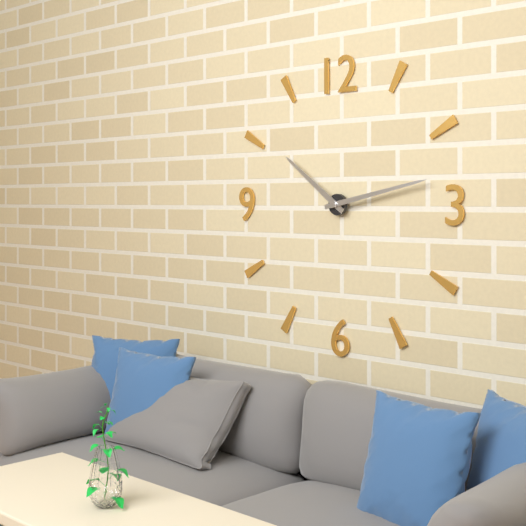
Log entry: {"hour": 10, "minute": 13}
